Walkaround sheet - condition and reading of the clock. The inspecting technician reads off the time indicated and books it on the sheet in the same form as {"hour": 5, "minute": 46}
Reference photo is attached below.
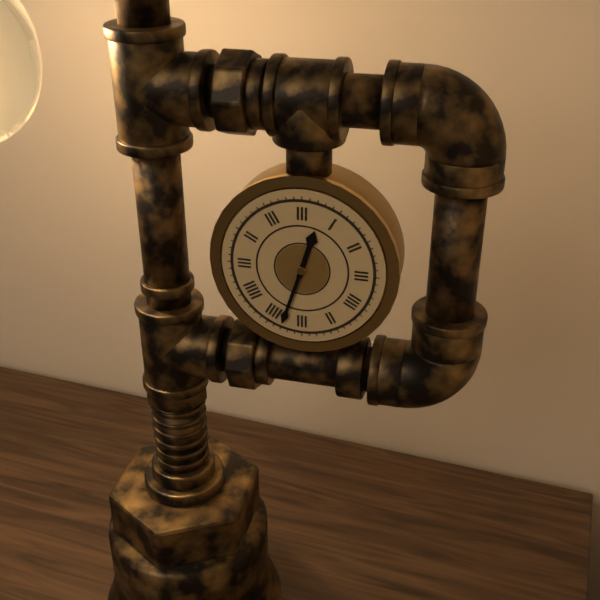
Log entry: {"hour": 12, "minute": 33}
